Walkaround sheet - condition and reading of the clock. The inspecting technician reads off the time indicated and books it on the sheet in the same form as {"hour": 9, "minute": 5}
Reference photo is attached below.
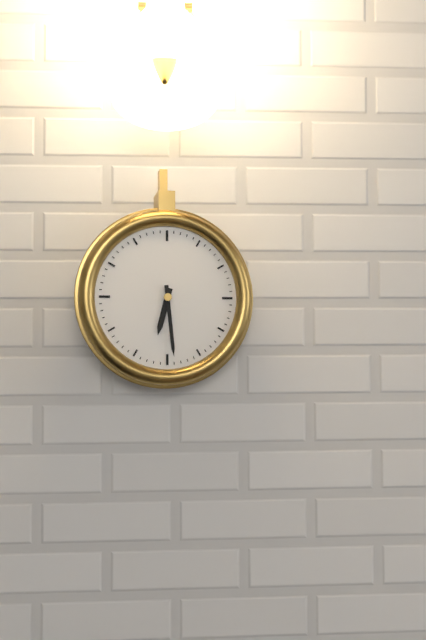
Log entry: {"hour": 6, "minute": 29}
